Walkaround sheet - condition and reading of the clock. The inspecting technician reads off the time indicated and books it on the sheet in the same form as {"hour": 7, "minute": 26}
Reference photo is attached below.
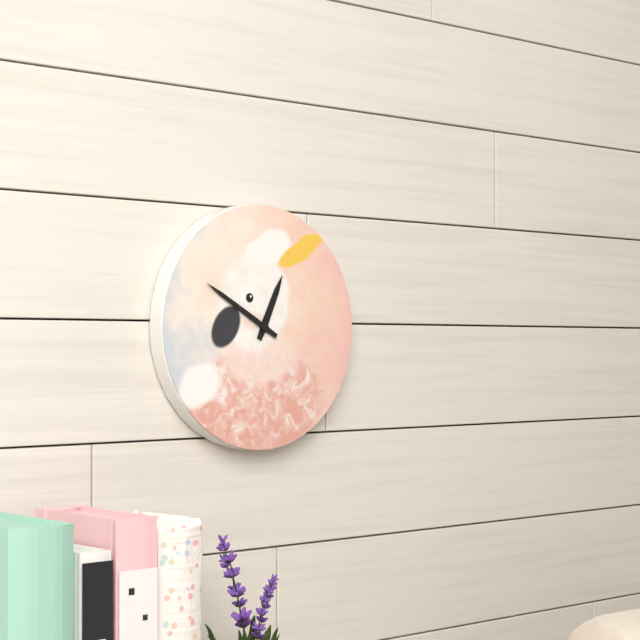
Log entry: {"hour": 12, "minute": 50}
